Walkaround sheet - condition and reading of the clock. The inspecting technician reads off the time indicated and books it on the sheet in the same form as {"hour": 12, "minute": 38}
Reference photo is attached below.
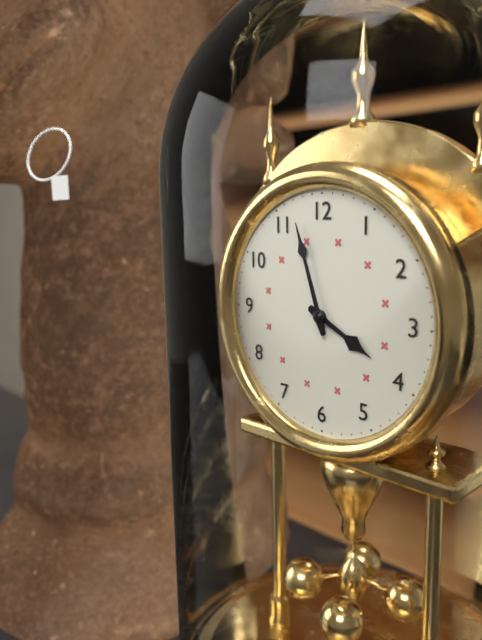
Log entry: {"hour": 3, "minute": 57}
